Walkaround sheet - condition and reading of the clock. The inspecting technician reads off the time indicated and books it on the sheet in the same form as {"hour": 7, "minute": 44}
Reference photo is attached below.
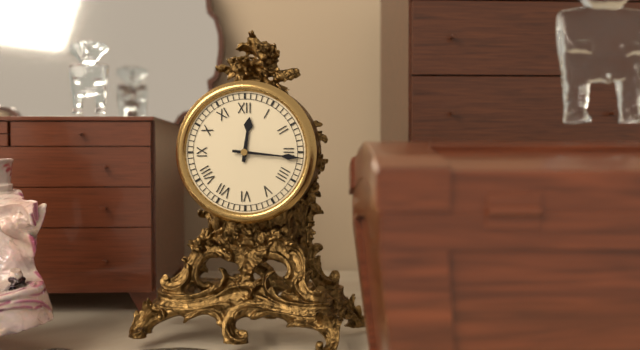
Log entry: {"hour": 12, "minute": 16}
